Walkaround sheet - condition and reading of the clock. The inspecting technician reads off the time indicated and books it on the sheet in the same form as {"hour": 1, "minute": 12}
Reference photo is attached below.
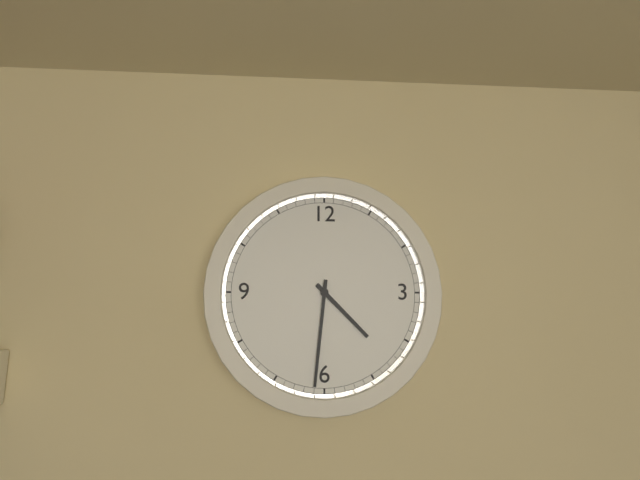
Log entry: {"hour": 4, "minute": 31}
